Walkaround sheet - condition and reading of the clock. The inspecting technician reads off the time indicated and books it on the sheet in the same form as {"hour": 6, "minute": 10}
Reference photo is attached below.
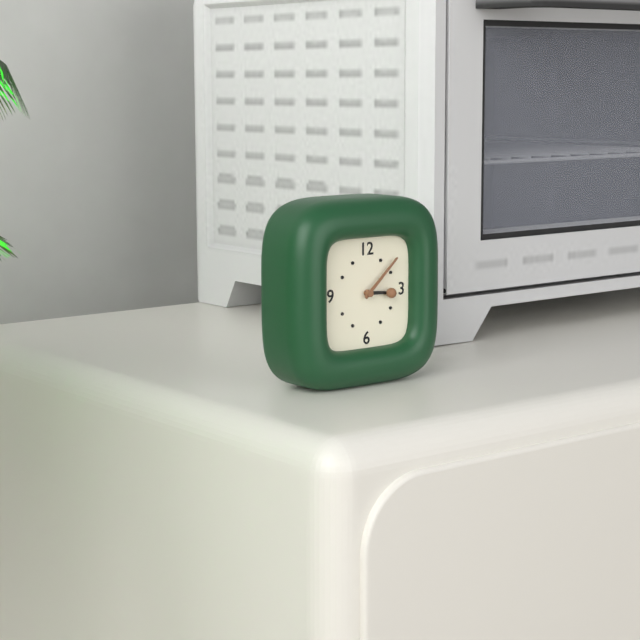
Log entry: {"hour": 3, "minute": 8}
